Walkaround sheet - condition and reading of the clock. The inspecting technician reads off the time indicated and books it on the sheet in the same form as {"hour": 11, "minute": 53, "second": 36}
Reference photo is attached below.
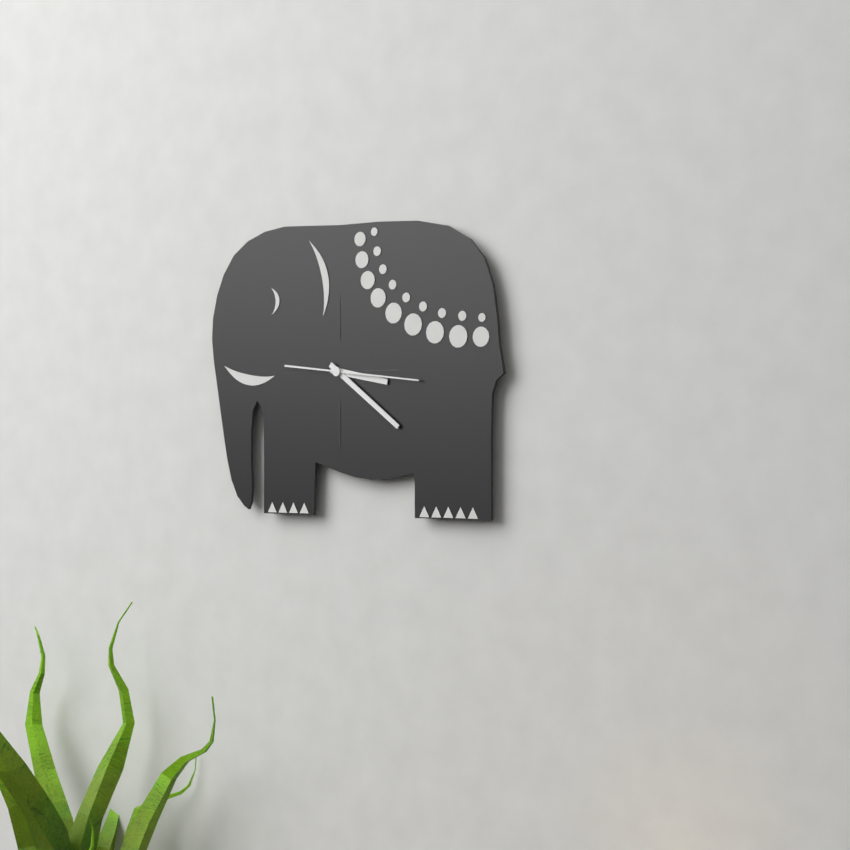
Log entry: {"hour": 3, "minute": 21, "second": 16}
